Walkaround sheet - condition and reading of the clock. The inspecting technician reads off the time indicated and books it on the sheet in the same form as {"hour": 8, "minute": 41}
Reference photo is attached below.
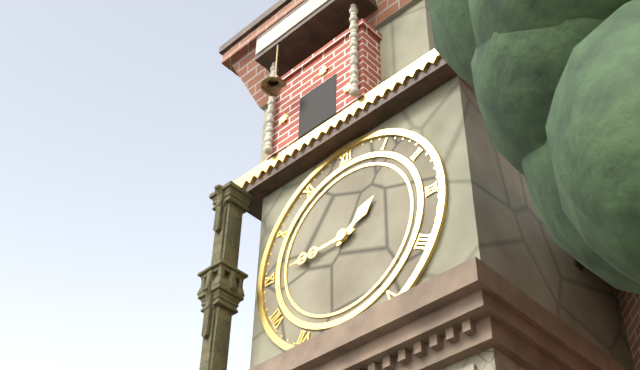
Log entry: {"hour": 1, "minute": 45}
